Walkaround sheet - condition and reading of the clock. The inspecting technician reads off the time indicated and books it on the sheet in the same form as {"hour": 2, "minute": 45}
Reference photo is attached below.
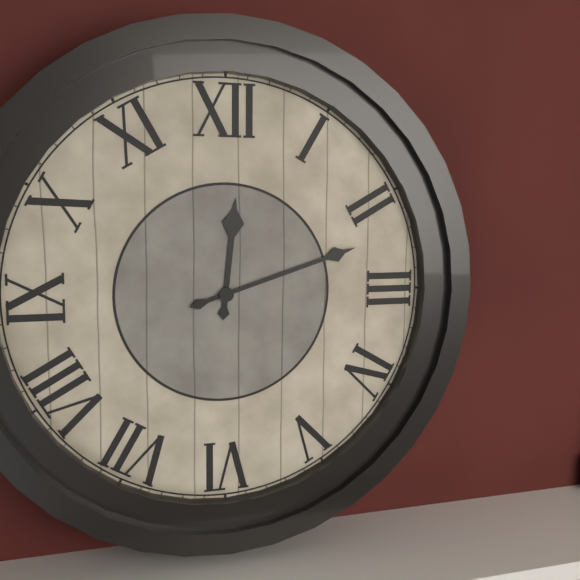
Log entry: {"hour": 12, "minute": 12}
